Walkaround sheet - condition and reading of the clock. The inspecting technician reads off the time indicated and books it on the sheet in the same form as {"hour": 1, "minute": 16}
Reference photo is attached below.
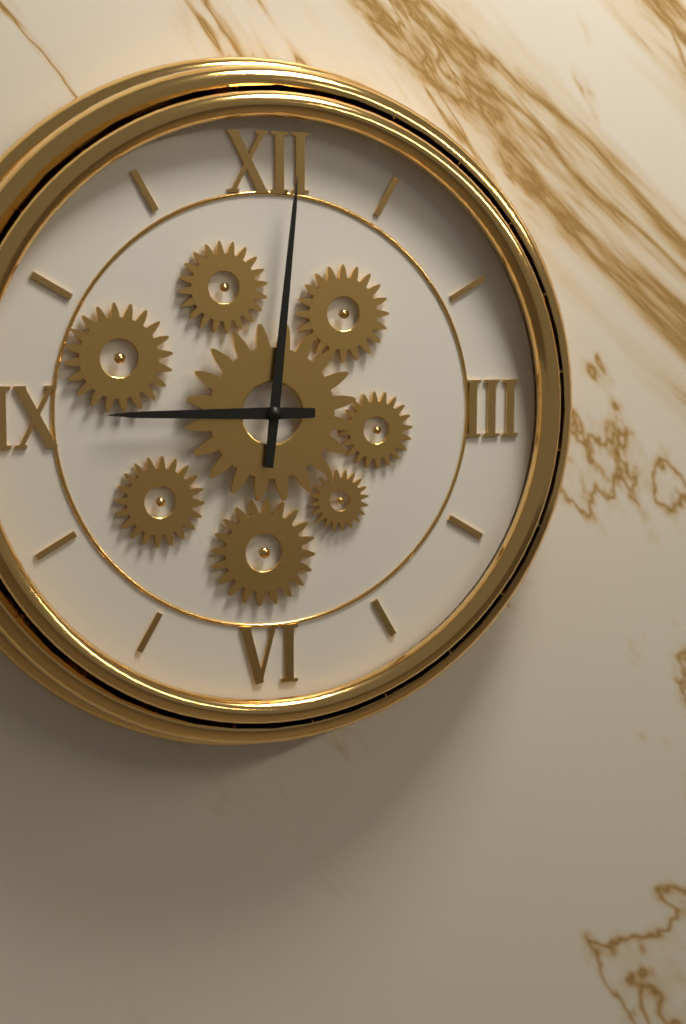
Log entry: {"hour": 9, "minute": 1}
